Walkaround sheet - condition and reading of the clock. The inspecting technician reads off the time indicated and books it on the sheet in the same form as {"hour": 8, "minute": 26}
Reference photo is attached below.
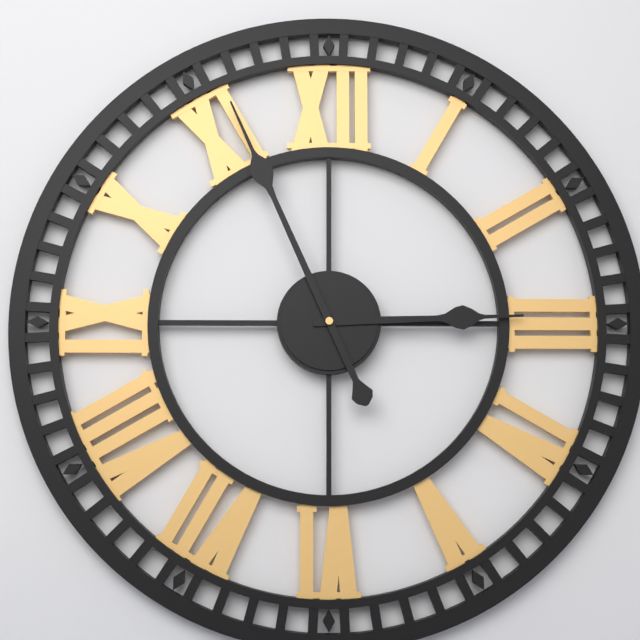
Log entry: {"hour": 2, "minute": 56}
